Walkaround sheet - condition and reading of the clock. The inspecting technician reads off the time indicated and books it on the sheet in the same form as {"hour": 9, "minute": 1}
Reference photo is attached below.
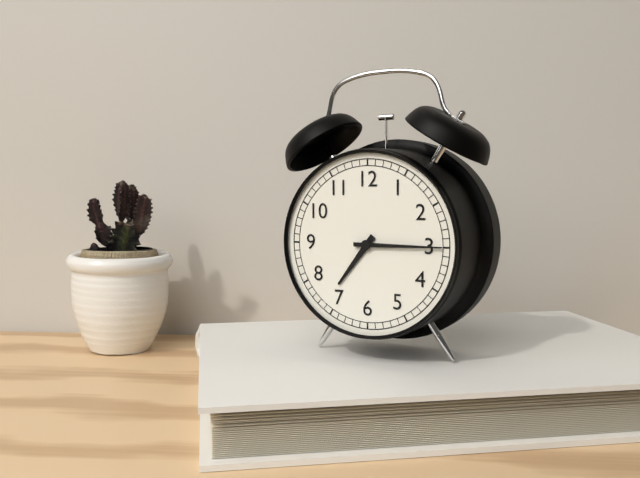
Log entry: {"hour": 7, "minute": 15}
